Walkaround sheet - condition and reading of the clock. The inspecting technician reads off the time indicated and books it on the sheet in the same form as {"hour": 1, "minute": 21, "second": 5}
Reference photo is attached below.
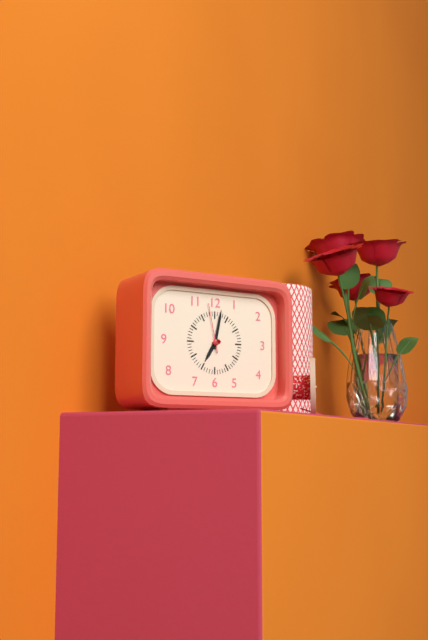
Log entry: {"hour": 7, "minute": 2, "second": 58}
